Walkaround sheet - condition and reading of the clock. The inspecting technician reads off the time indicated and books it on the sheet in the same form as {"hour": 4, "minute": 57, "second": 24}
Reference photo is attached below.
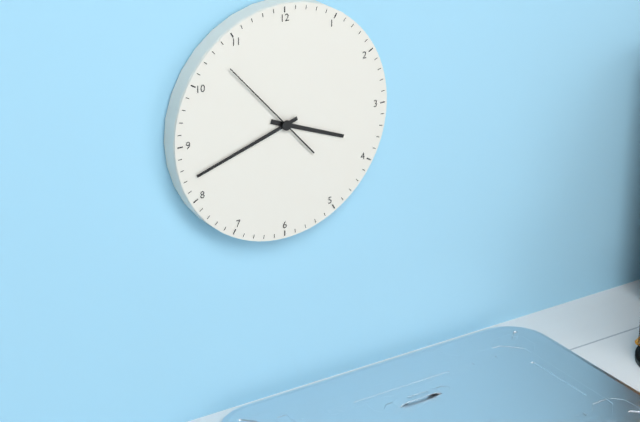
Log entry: {"hour": 3, "minute": 42, "second": 53}
